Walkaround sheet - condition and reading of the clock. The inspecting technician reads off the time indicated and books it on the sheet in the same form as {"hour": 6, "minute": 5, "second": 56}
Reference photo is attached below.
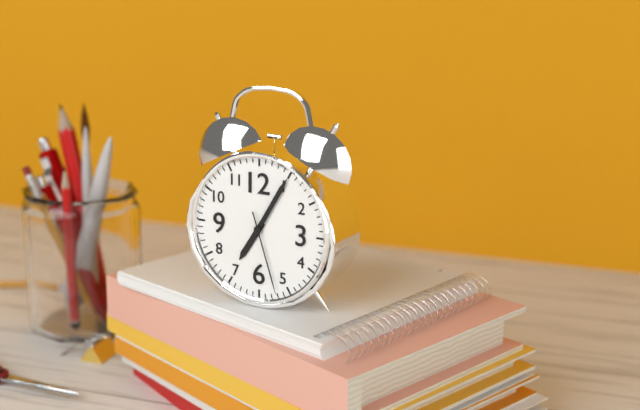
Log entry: {"hour": 7, "minute": 5, "second": 27}
